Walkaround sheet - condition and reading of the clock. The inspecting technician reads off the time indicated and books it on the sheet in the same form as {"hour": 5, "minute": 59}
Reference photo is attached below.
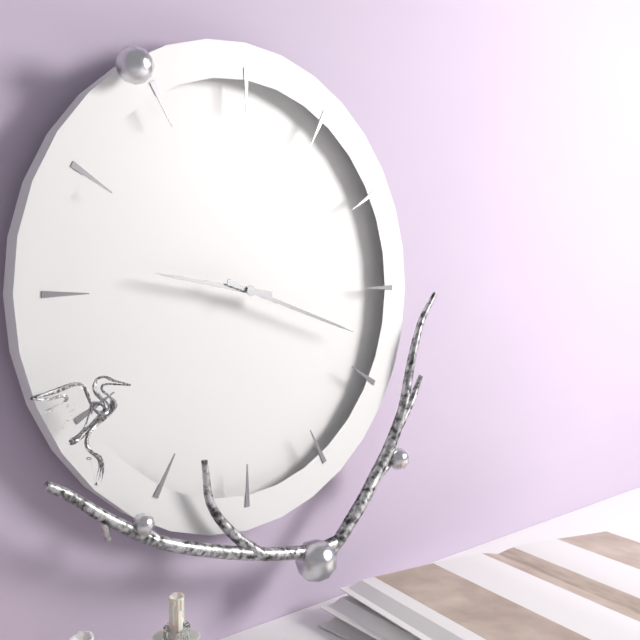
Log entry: {"hour": 9, "minute": 18}
